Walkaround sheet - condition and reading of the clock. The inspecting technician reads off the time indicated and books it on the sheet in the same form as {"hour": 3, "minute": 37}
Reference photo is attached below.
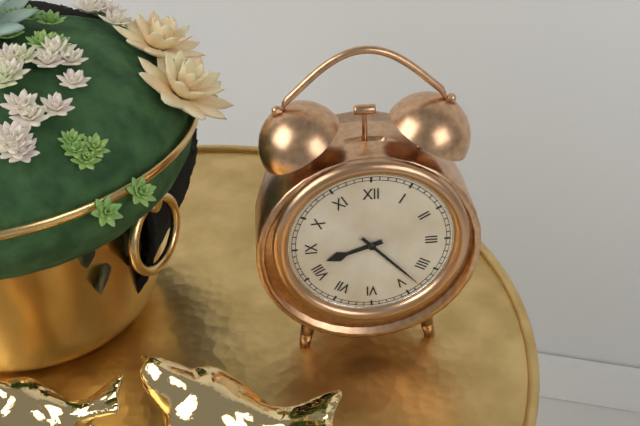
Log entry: {"hour": 8, "minute": 23}
